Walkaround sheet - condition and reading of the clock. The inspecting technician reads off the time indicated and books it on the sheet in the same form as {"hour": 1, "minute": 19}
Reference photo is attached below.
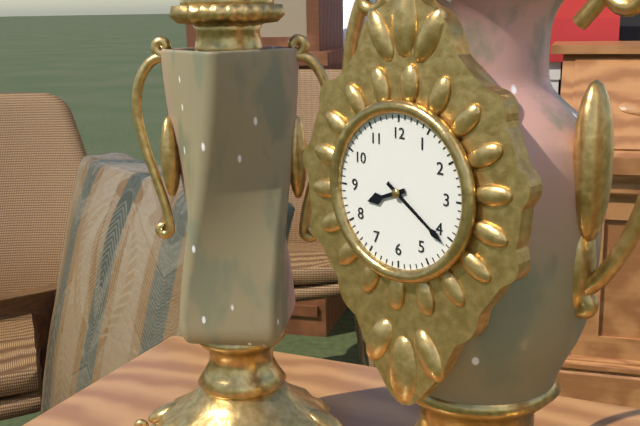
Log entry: {"hour": 8, "minute": 21}
